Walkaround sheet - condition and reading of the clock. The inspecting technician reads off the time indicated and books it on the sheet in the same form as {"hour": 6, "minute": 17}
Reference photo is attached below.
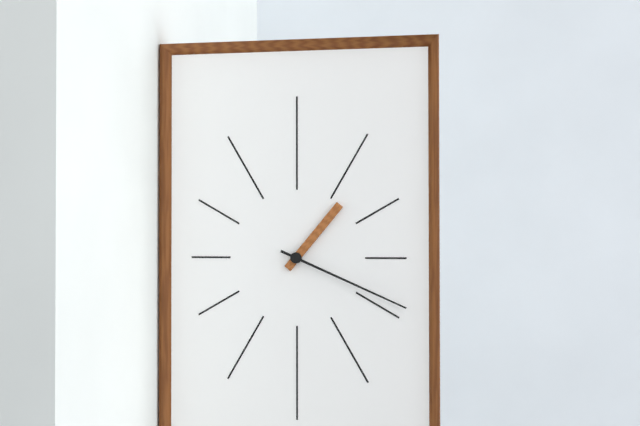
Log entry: {"hour": 1, "minute": 19}
